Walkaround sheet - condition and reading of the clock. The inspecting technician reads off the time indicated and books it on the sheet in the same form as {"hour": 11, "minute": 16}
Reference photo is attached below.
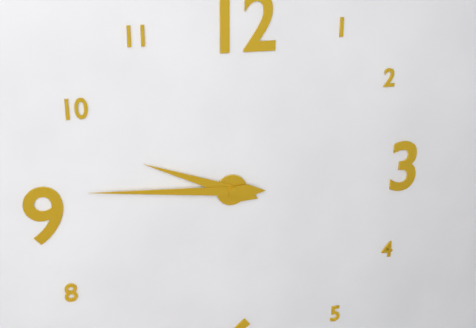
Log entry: {"hour": 9, "minute": 46}
